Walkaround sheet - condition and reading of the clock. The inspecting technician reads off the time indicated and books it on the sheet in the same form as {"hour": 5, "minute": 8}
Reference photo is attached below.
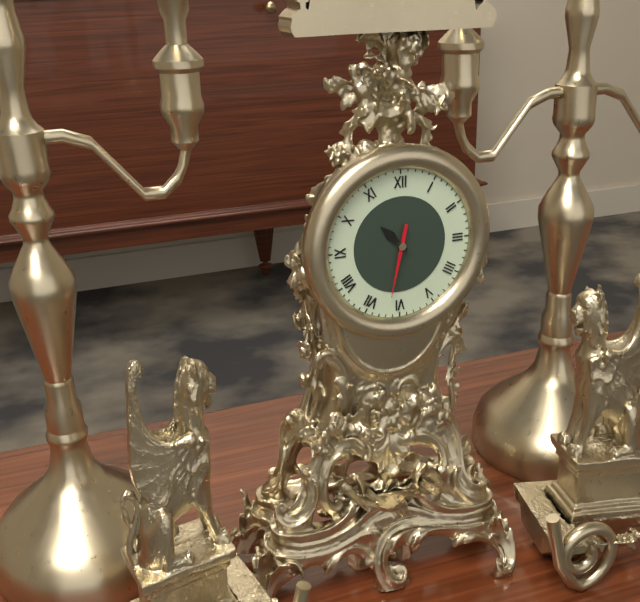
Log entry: {"hour": 10, "minute": 32}
